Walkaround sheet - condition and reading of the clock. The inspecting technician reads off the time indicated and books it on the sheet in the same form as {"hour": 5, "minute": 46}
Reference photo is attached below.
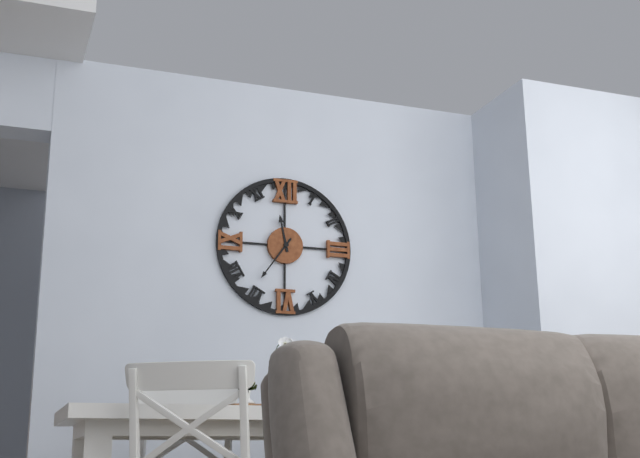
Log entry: {"hour": 11, "minute": 36}
